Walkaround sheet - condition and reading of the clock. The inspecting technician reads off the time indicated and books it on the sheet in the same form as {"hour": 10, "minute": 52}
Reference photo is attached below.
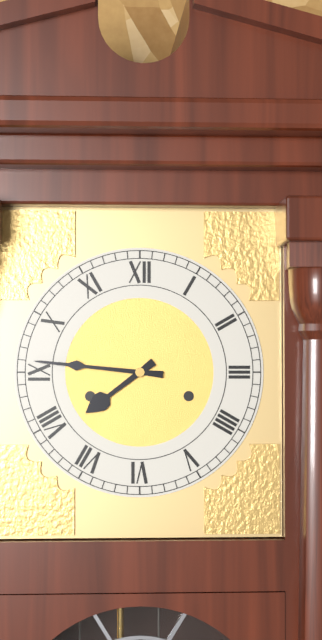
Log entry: {"hour": 7, "minute": 46}
